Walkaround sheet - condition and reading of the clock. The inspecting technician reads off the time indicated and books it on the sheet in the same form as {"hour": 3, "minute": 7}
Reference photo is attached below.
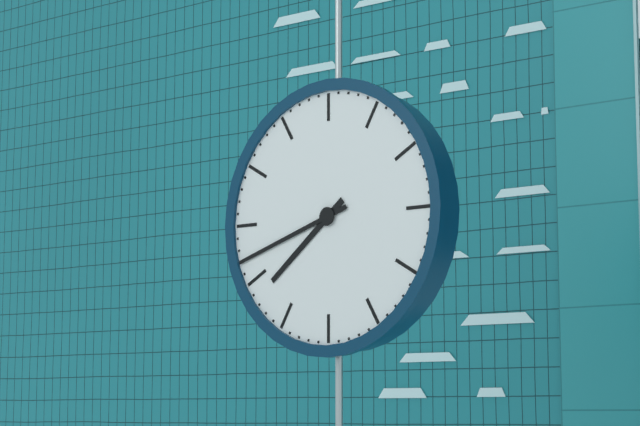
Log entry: {"hour": 7, "minute": 42}
